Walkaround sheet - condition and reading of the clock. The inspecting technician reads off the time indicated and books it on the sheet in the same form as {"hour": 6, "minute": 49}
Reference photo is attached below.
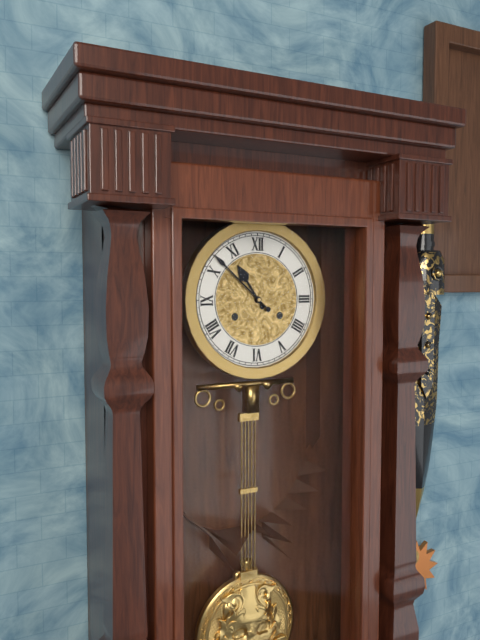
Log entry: {"hour": 10, "minute": 52}
